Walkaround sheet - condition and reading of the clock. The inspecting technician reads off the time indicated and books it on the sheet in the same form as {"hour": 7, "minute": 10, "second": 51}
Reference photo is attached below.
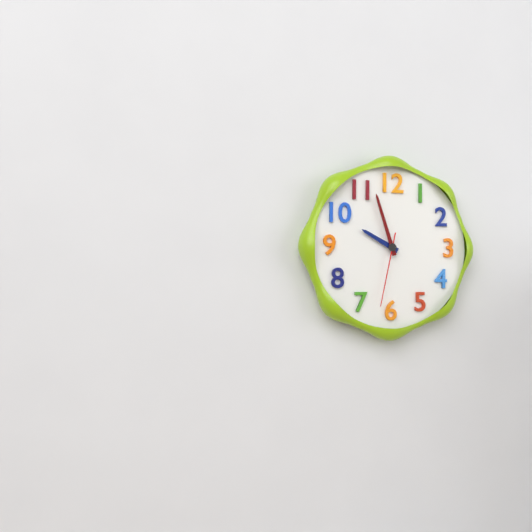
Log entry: {"hour": 9, "minute": 57, "second": 32}
